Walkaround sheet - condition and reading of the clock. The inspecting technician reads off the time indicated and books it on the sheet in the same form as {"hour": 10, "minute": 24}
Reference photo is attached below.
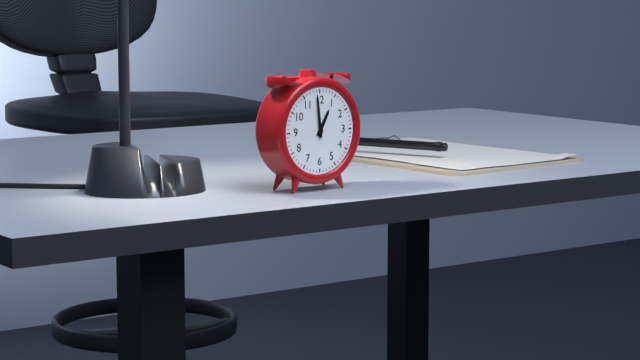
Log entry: {"hour": 12, "minute": 59}
